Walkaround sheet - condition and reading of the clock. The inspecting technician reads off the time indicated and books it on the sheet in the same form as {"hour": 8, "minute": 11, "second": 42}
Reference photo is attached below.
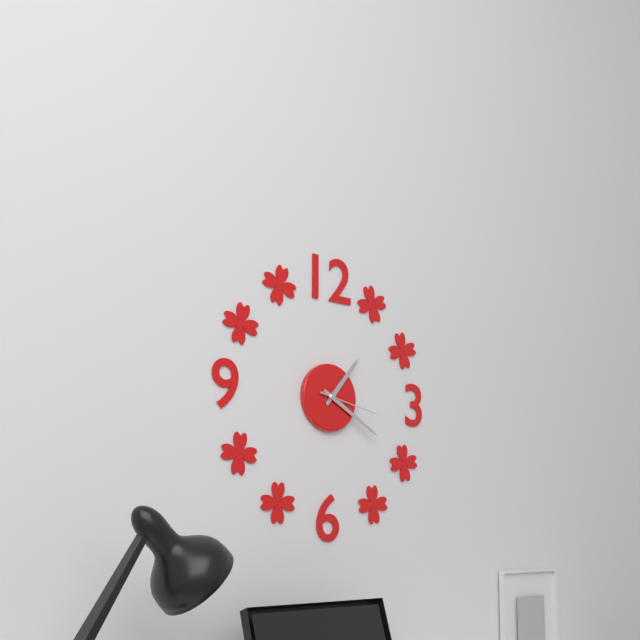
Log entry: {"hour": 1, "minute": 20, "second": 17}
